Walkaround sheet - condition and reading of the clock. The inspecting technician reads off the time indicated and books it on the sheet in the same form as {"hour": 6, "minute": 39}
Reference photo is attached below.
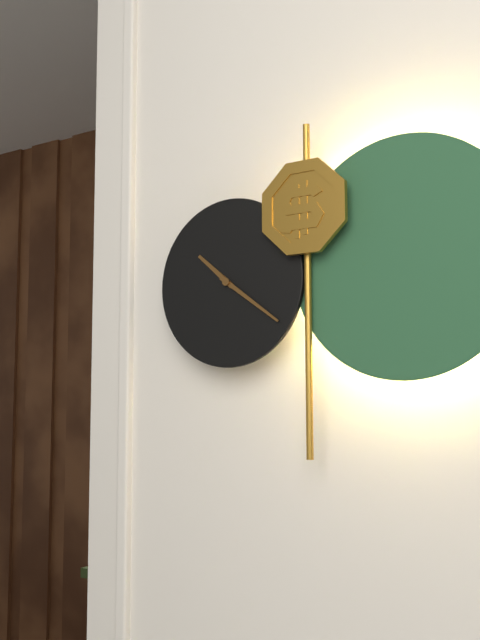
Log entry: {"hour": 10, "minute": 21}
